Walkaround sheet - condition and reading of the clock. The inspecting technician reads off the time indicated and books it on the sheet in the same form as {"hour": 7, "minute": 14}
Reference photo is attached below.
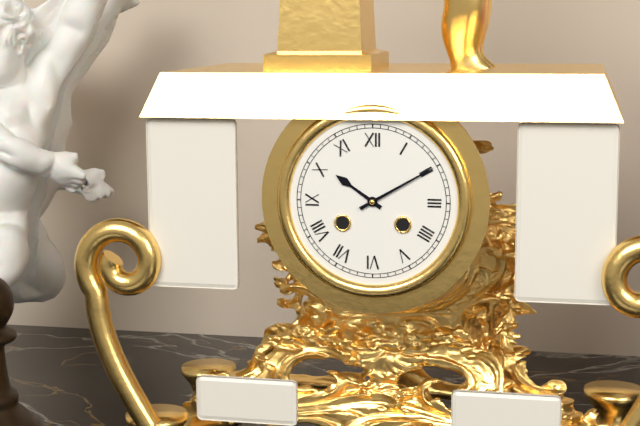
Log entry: {"hour": 10, "minute": 10}
